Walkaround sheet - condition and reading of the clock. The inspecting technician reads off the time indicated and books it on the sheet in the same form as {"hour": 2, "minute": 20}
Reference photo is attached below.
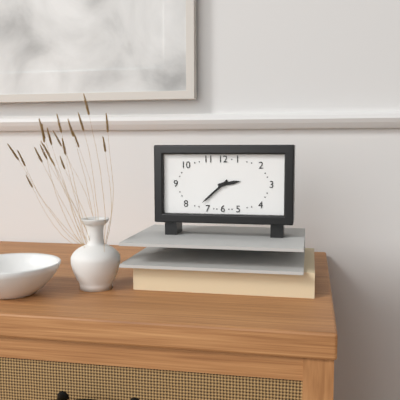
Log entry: {"hour": 2, "minute": 38}
